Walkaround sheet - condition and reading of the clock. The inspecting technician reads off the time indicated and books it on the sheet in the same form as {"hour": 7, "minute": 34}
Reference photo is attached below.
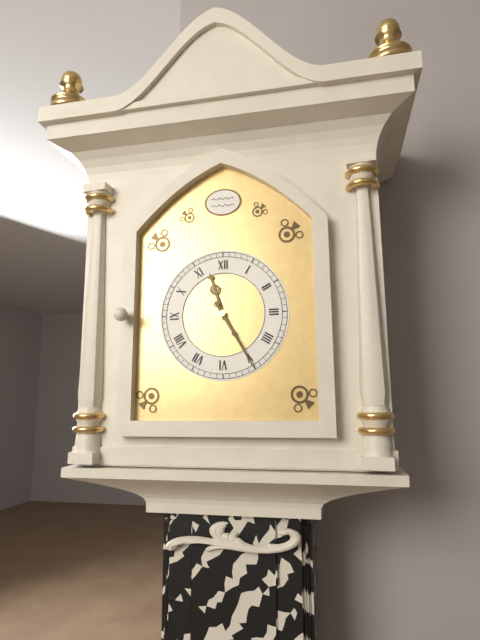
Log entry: {"hour": 11, "minute": 25}
